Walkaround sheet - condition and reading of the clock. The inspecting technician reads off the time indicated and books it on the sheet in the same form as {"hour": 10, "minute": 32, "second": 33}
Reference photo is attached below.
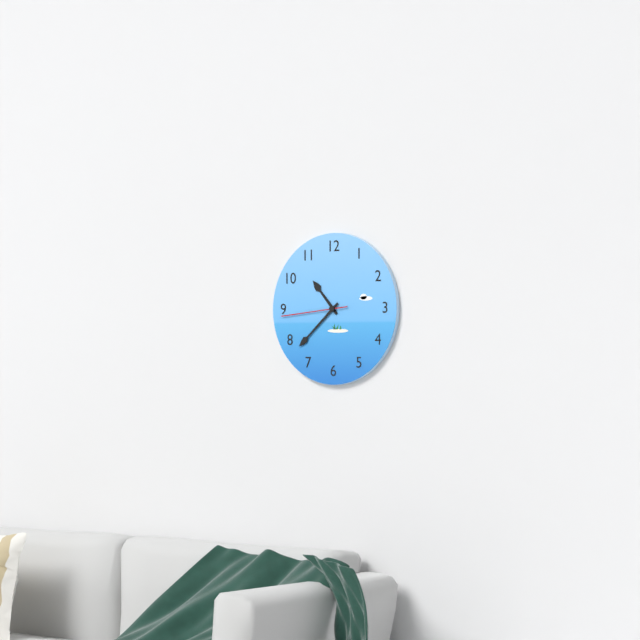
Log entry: {"hour": 10, "minute": 38, "second": 44}
